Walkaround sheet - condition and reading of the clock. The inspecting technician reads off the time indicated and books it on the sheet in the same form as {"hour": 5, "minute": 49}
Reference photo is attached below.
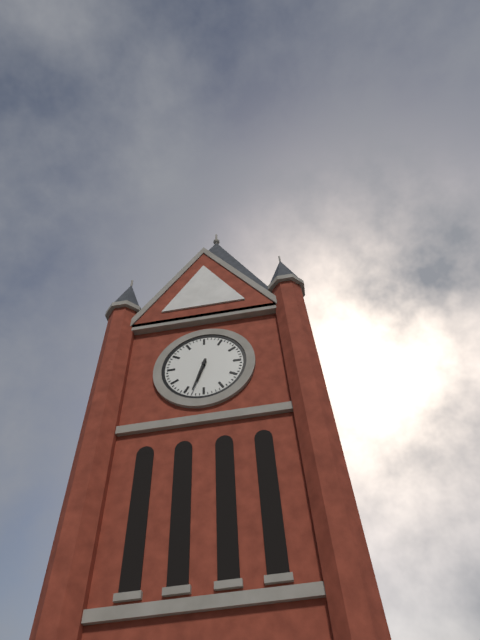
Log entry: {"hour": 6, "minute": 33}
